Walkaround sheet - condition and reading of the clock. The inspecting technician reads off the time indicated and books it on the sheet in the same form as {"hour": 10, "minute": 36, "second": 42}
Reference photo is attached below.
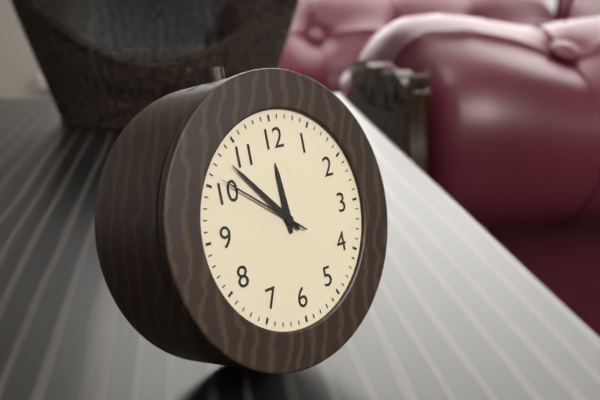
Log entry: {"hour": 11, "minute": 53, "second": 51}
